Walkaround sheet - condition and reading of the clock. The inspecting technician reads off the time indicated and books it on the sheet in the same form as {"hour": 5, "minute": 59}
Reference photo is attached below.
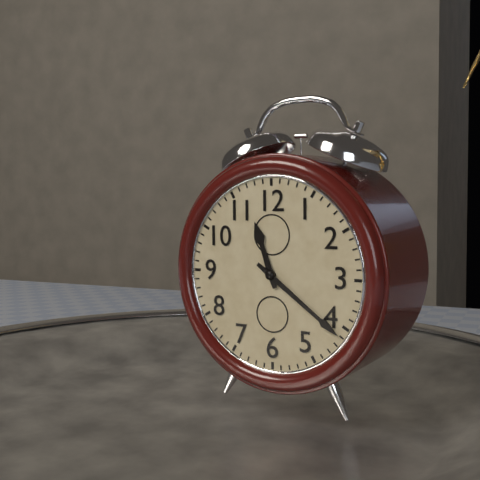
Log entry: {"hour": 11, "minute": 21}
